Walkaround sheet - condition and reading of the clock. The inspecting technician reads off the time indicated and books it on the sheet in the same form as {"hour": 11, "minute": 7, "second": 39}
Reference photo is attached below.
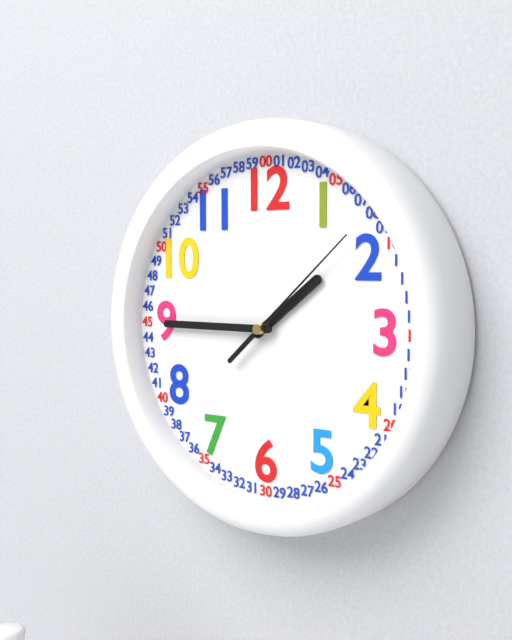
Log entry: {"hour": 1, "minute": 45, "second": 8}
